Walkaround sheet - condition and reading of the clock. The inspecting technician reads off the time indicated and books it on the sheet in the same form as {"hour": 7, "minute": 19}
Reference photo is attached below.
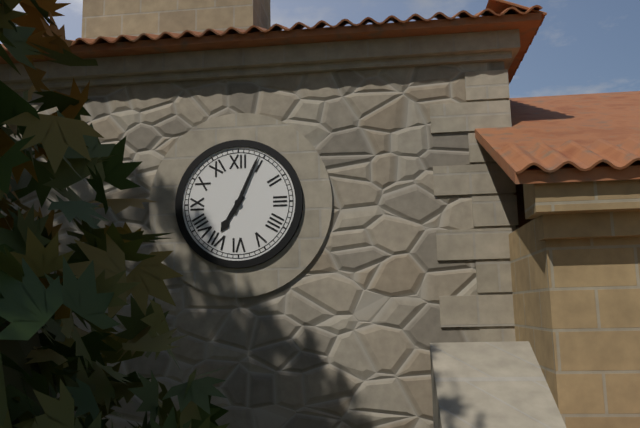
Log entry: {"hour": 7, "minute": 4}
